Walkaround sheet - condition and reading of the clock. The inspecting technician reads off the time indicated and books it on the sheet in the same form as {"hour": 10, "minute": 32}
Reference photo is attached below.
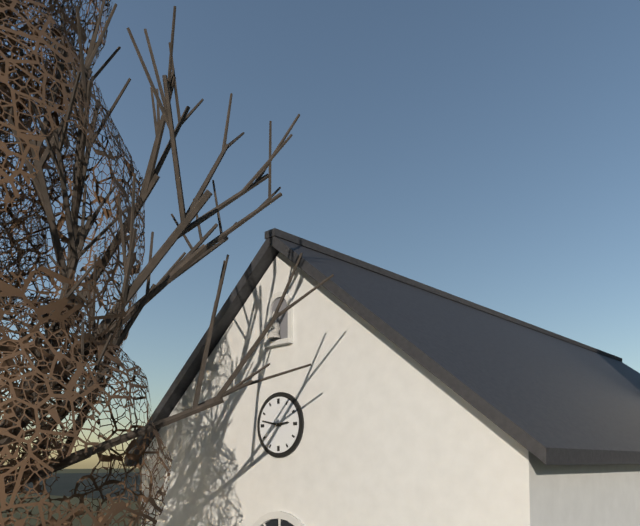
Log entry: {"hour": 2, "minute": 47}
